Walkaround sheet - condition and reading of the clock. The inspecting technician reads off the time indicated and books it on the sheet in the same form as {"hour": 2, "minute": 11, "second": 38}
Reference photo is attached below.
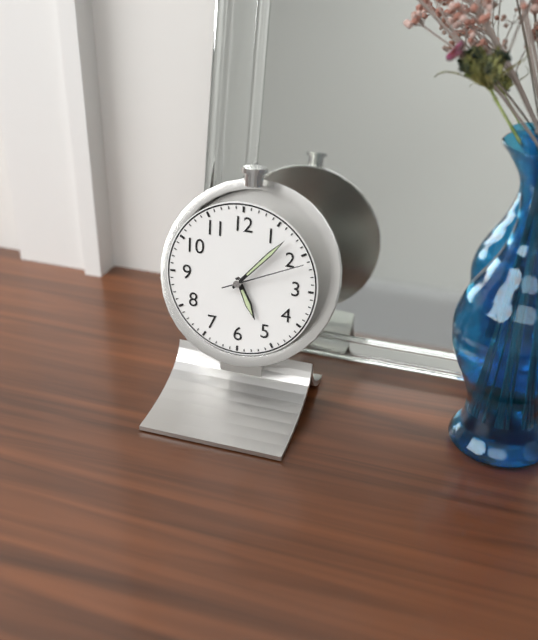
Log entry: {"hour": 5, "minute": 7, "second": 11}
